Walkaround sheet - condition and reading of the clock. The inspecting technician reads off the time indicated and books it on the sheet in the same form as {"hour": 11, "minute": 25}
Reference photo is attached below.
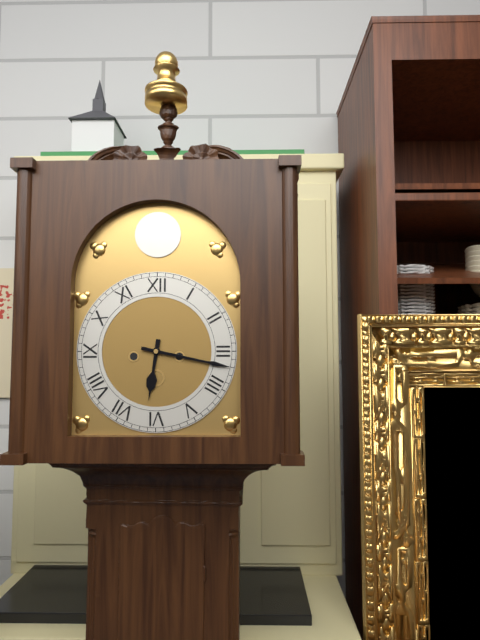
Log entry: {"hour": 6, "minute": 17}
